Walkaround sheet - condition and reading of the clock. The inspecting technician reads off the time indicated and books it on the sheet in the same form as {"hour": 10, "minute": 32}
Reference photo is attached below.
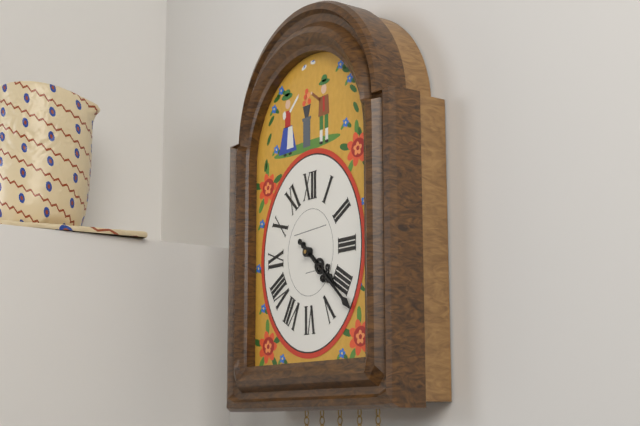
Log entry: {"hour": 4, "minute": 22}
